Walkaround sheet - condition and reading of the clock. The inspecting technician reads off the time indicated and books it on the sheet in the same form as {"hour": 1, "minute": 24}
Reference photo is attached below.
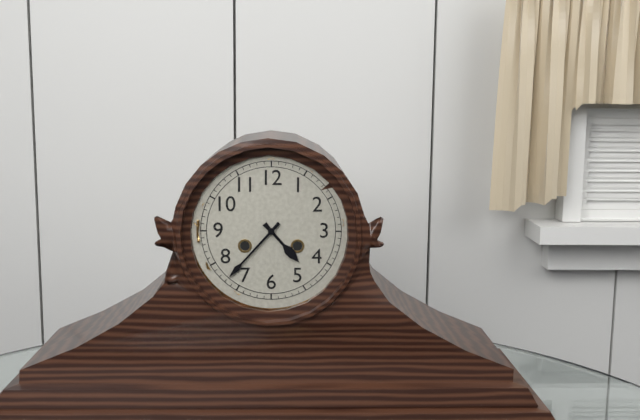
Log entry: {"hour": 4, "minute": 37}
